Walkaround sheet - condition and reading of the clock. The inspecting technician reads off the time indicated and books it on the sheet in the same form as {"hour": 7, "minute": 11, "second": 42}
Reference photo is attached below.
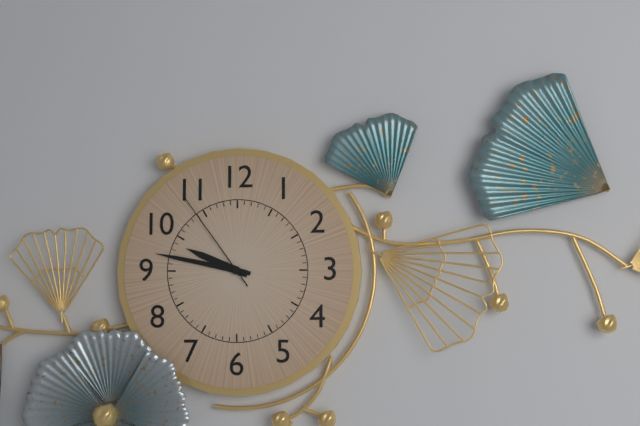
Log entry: {"hour": 9, "minute": 47, "second": 54}
